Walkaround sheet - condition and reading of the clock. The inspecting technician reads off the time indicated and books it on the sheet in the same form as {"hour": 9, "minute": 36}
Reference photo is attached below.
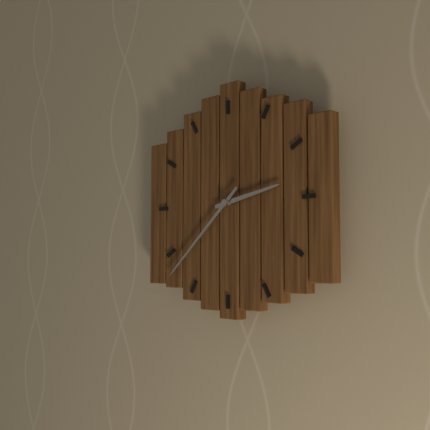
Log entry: {"hour": 2, "minute": 38}
